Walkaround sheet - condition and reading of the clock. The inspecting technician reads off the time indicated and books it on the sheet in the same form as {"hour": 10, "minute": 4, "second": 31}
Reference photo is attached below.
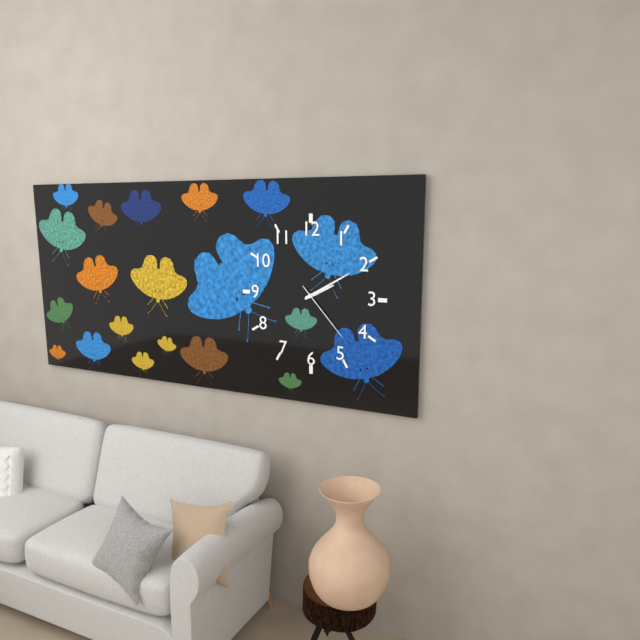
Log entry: {"hour": 2, "minute": 10, "second": 23}
